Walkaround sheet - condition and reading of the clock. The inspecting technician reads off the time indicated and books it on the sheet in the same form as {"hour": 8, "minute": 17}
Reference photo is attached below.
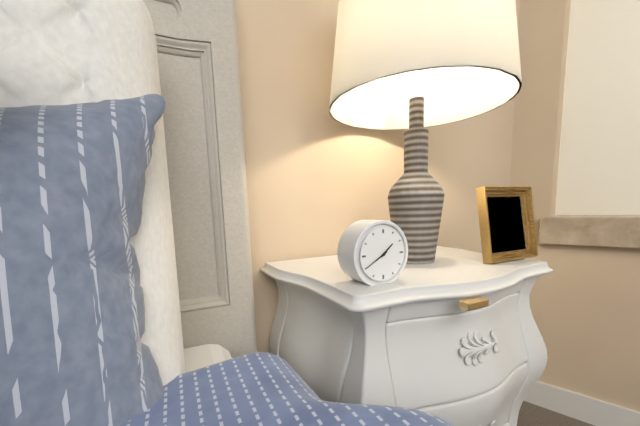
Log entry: {"hour": 1, "minute": 40}
